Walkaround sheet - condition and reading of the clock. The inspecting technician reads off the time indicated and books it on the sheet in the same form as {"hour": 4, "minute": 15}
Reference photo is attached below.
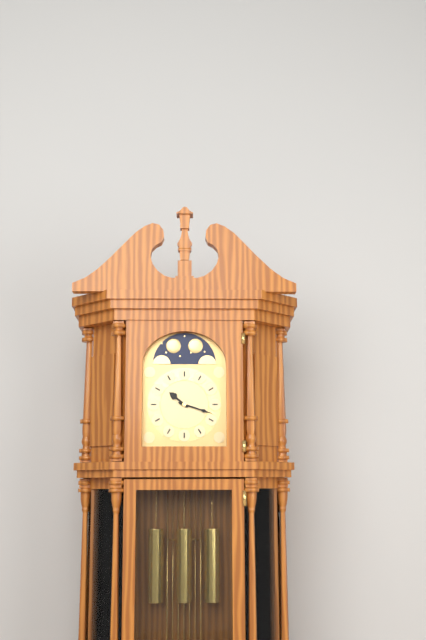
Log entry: {"hour": 10, "minute": 18}
